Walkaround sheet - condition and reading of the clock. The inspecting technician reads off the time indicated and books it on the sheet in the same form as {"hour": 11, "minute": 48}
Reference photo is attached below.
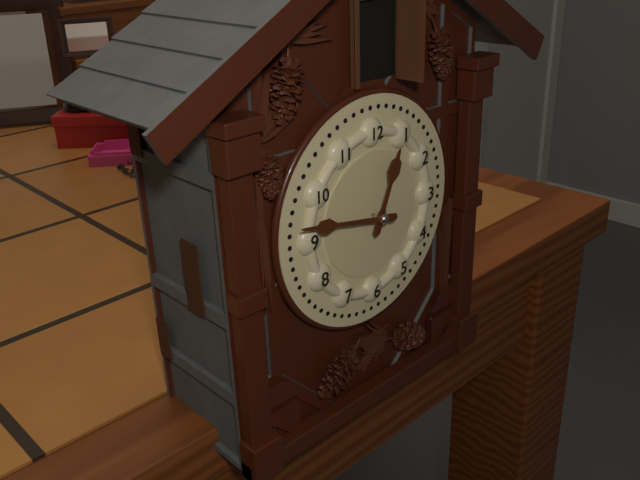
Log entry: {"hour": 12, "minute": 47}
